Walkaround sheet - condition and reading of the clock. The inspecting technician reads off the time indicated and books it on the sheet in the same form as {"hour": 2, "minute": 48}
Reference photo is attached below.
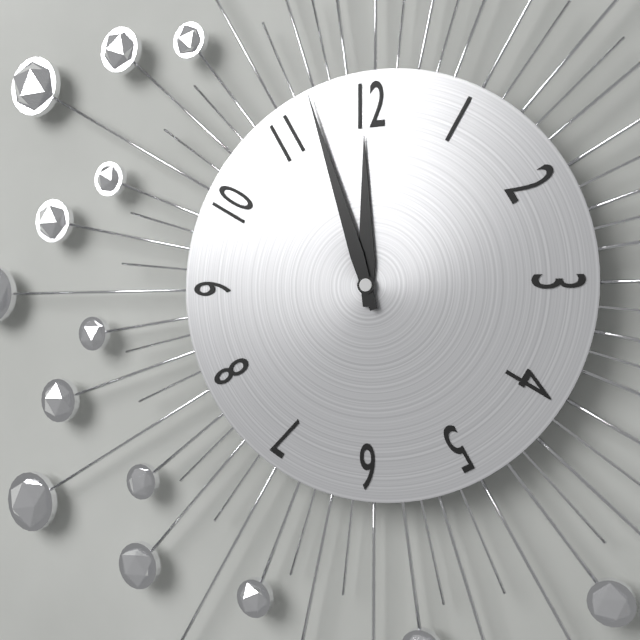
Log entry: {"hour": 11, "minute": 57}
